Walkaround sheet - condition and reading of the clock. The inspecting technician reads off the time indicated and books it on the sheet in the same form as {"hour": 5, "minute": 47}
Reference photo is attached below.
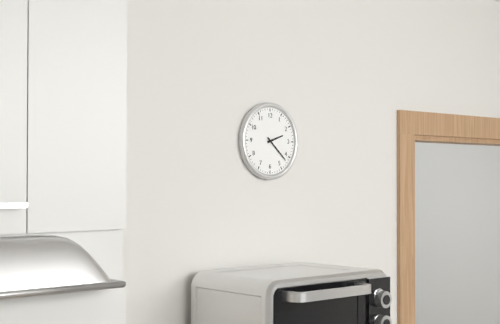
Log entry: {"hour": 2, "minute": 22}
